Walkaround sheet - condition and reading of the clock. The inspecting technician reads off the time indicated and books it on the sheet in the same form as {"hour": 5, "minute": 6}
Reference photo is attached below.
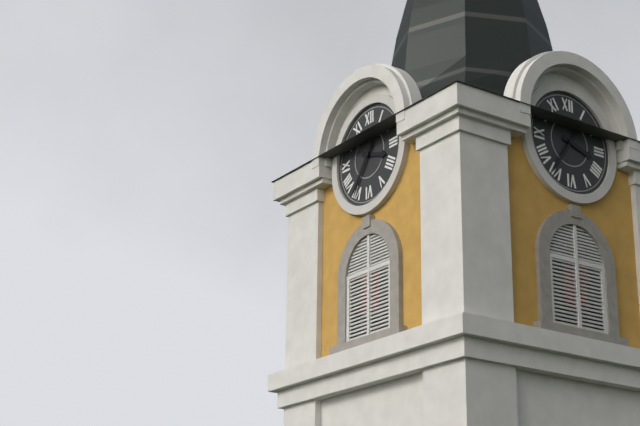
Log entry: {"hour": 3, "minute": 36}
